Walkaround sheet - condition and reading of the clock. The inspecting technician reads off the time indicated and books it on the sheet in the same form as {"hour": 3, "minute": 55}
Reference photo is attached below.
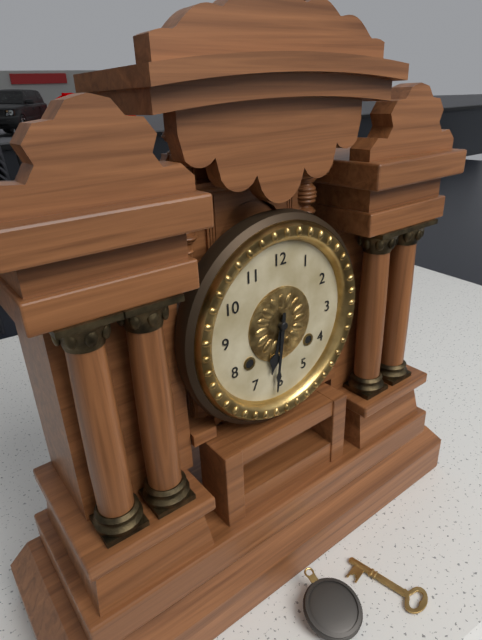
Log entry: {"hour": 6, "minute": 31}
